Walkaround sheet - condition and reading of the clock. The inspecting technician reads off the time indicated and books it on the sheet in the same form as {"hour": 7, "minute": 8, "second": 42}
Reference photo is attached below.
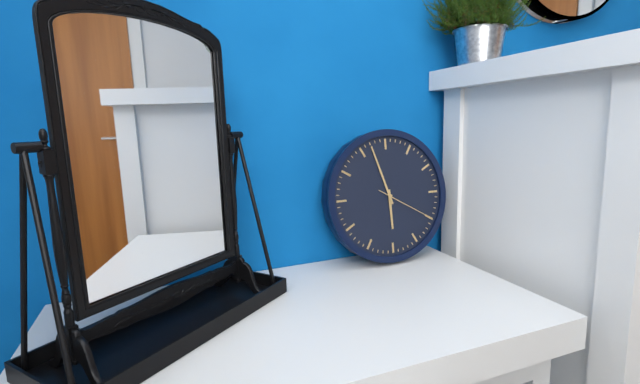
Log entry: {"hour": 5, "minute": 57, "second": 20}
